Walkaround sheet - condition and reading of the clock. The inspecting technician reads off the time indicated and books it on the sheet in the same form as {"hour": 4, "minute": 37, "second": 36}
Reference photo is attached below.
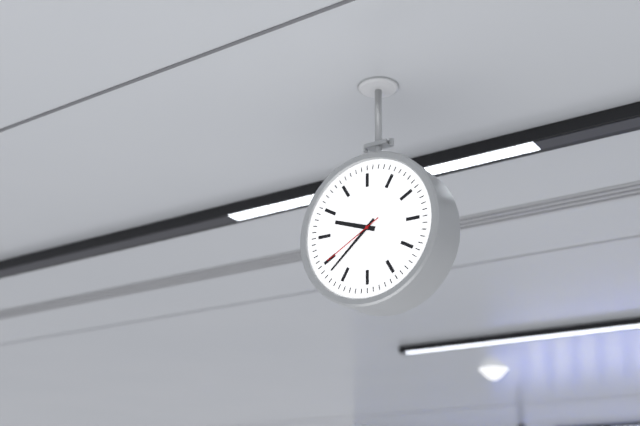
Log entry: {"hour": 9, "minute": 38, "second": 40}
